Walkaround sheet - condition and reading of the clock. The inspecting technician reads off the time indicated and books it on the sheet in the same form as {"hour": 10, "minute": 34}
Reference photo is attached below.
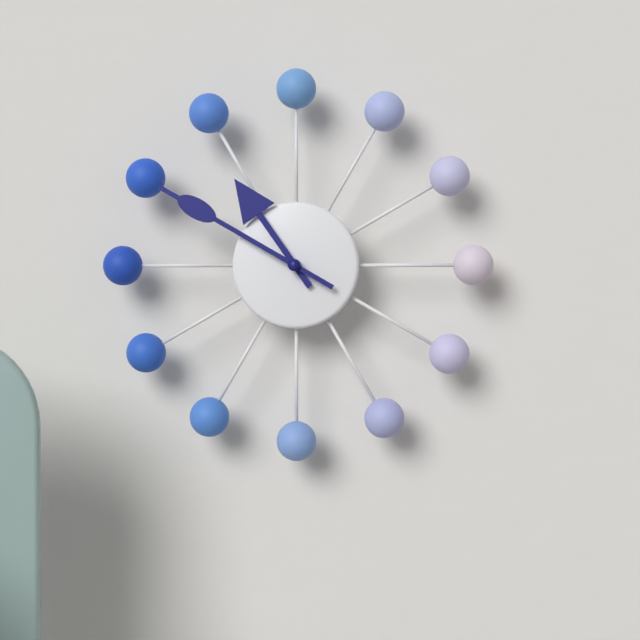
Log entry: {"hour": 10, "minute": 50}
